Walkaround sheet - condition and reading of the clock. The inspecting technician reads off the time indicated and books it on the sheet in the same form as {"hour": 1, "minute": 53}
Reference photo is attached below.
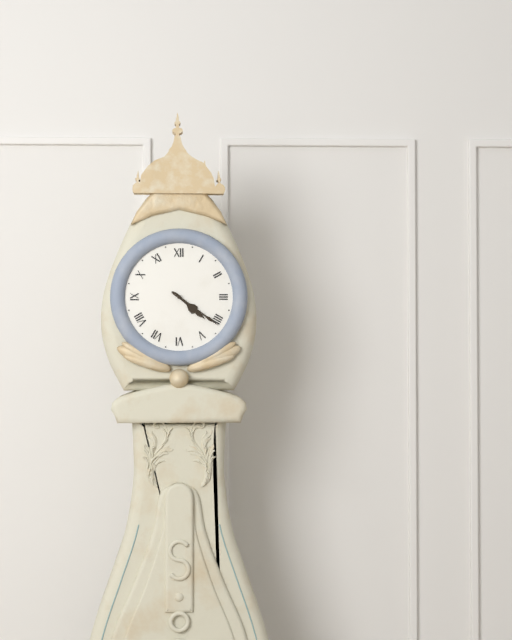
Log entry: {"hour": 4, "minute": 21}
